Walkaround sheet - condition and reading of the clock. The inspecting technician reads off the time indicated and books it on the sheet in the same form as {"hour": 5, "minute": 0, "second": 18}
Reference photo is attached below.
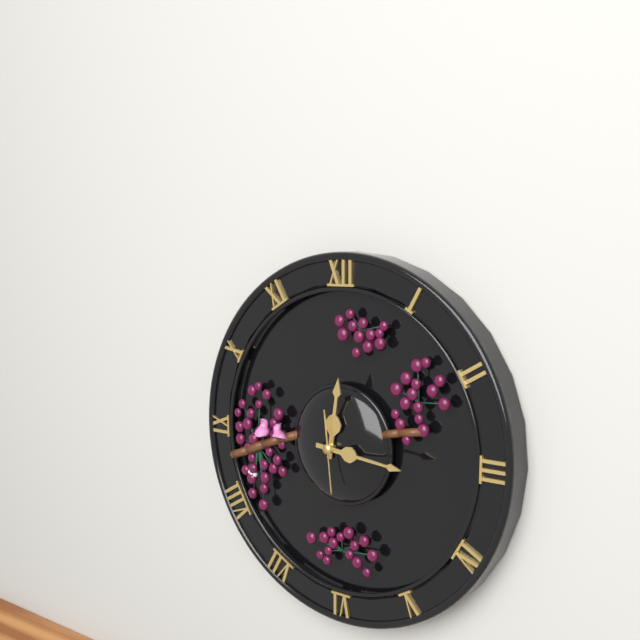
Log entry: {"hour": 12, "minute": 16, "second": 29}
